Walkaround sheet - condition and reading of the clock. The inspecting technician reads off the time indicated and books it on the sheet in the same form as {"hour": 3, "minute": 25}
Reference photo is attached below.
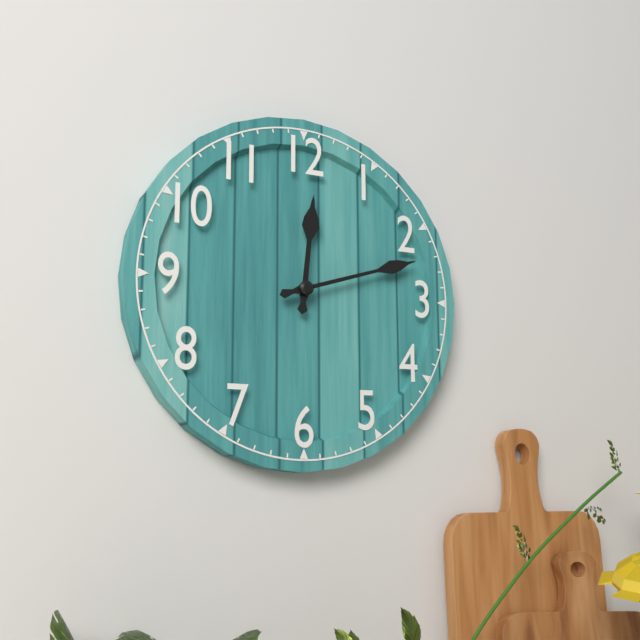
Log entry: {"hour": 12, "minute": 12}
